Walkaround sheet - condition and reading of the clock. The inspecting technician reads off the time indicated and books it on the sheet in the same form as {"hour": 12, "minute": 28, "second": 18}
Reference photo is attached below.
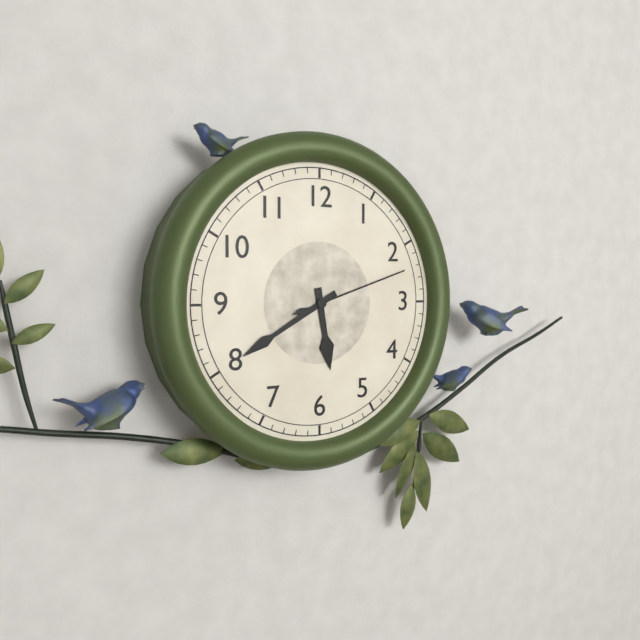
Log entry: {"hour": 5, "minute": 40, "second": 12}
